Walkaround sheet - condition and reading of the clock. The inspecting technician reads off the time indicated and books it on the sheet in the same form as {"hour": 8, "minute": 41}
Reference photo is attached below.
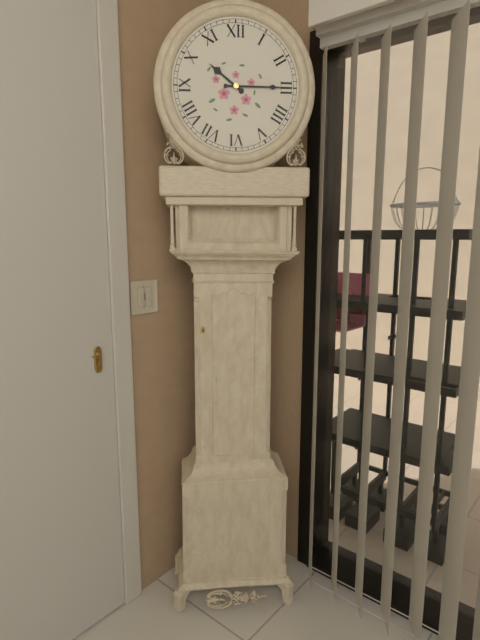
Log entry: {"hour": 10, "minute": 15}
